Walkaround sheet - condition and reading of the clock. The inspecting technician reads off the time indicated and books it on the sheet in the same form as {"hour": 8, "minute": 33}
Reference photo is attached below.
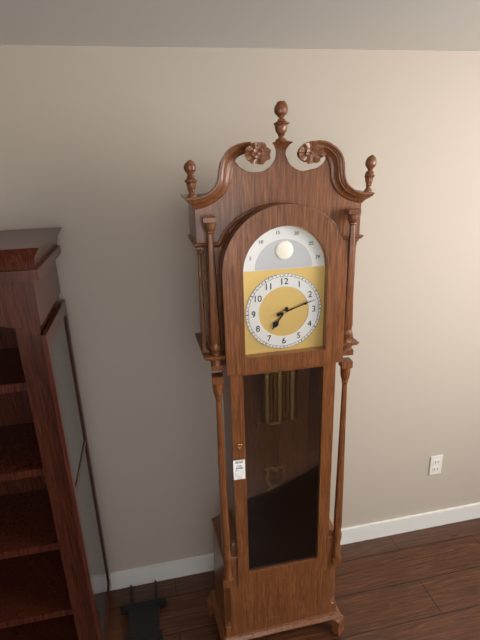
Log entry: {"hour": 7, "minute": 12}
